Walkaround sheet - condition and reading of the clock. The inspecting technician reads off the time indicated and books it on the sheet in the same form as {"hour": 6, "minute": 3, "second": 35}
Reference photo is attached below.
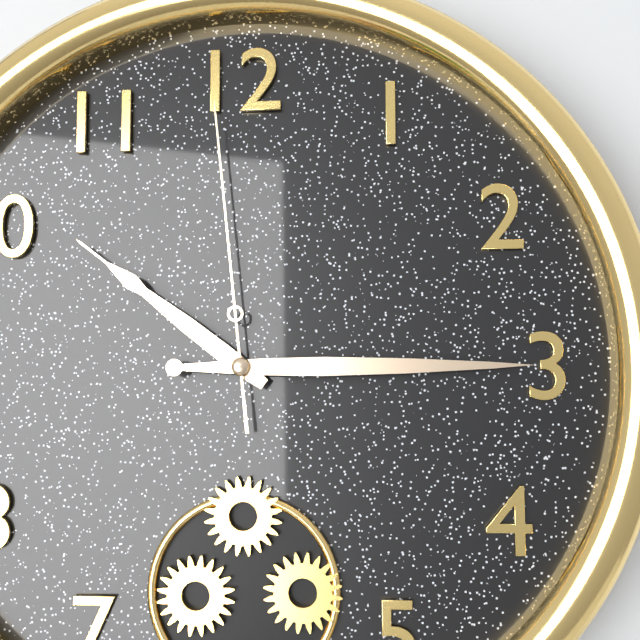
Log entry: {"hour": 10, "minute": 15, "second": 59}
